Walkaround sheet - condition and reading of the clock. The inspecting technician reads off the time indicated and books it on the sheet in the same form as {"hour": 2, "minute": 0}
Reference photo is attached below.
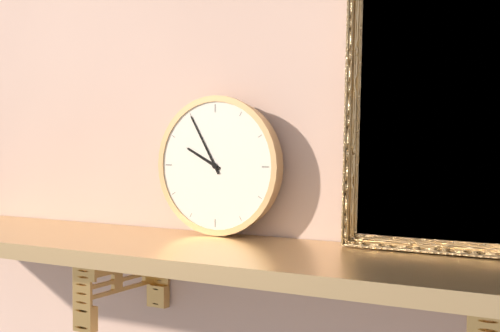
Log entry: {"hour": 9, "minute": 55}
